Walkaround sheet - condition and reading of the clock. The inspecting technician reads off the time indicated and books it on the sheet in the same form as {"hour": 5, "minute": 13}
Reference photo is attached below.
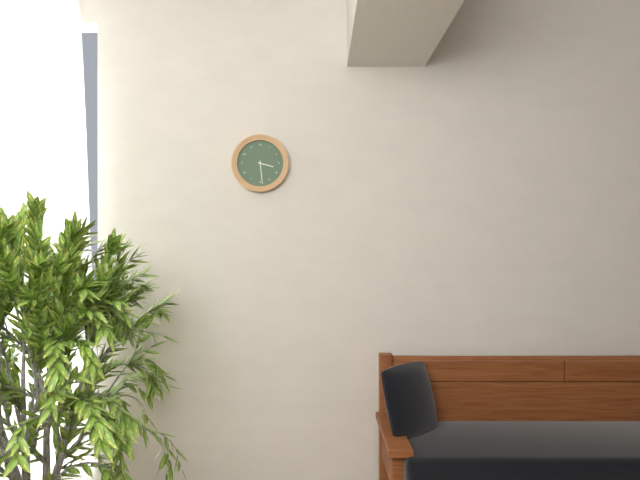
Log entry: {"hour": 3, "minute": 29}
